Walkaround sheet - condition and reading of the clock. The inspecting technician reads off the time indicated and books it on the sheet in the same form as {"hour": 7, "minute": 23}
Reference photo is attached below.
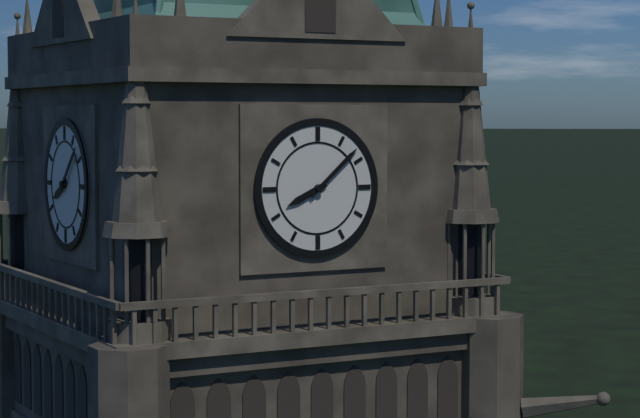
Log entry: {"hour": 8, "minute": 8}
